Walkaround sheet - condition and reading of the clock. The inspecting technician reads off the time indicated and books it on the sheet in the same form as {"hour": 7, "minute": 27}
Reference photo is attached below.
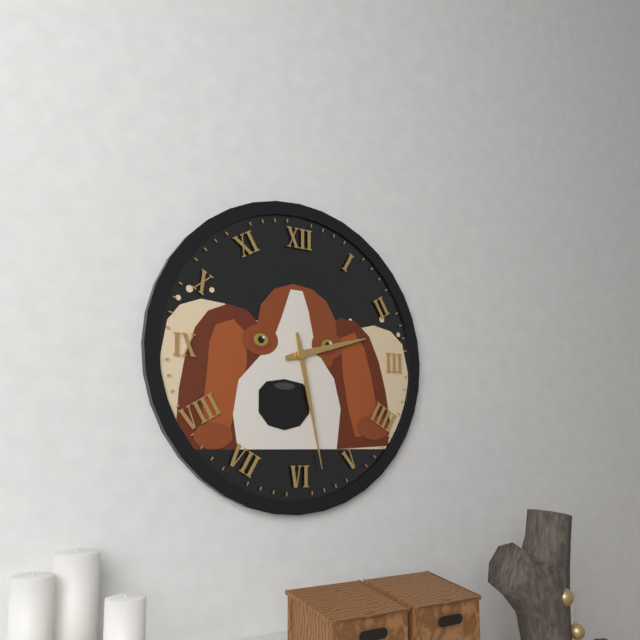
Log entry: {"hour": 2, "minute": 28}
